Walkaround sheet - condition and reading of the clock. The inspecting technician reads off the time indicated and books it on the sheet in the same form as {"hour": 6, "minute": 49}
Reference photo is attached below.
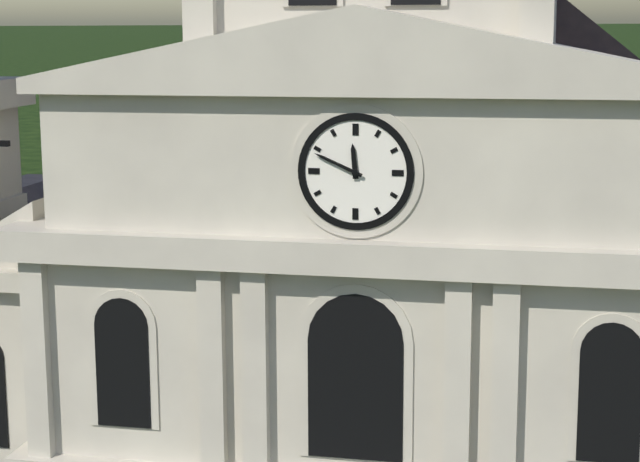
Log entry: {"hour": 11, "minute": 49}
